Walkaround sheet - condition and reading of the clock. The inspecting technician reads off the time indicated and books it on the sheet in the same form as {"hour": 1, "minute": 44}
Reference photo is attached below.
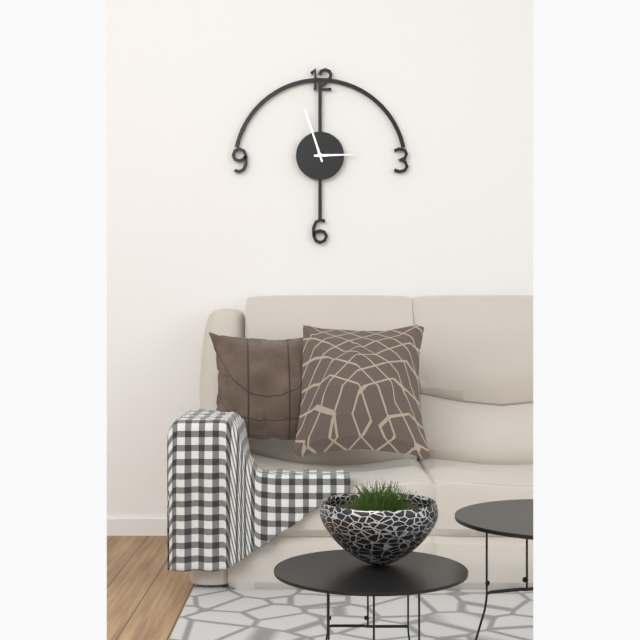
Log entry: {"hour": 2, "minute": 57}
